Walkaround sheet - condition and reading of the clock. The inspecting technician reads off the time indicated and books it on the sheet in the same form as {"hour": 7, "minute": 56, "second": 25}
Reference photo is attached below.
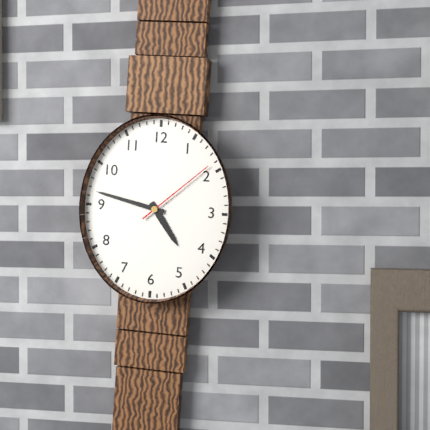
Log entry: {"hour": 4, "minute": 47, "second": 8}
